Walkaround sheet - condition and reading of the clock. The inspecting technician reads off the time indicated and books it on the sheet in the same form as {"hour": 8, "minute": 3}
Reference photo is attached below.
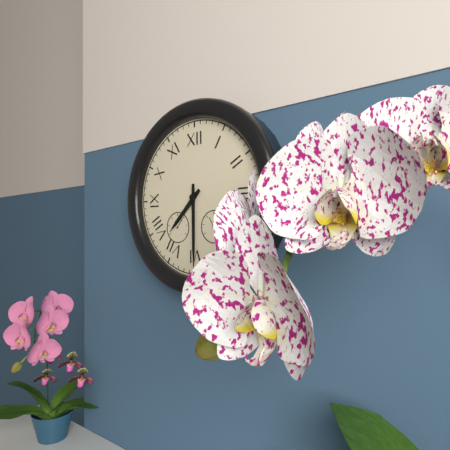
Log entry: {"hour": 7, "minute": 30}
